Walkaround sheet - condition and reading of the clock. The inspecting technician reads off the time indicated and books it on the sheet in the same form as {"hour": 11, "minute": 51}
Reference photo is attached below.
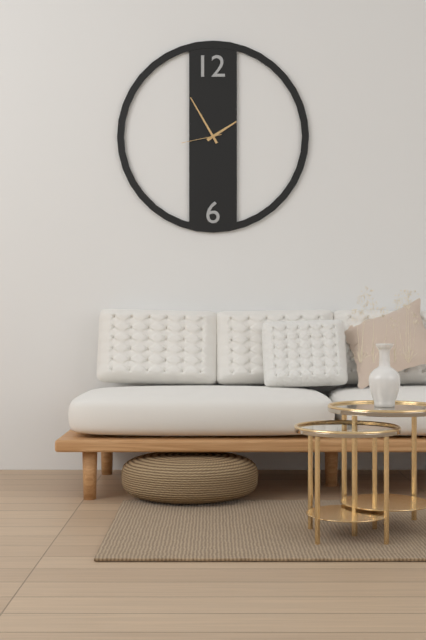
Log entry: {"hour": 1, "minute": 55}
